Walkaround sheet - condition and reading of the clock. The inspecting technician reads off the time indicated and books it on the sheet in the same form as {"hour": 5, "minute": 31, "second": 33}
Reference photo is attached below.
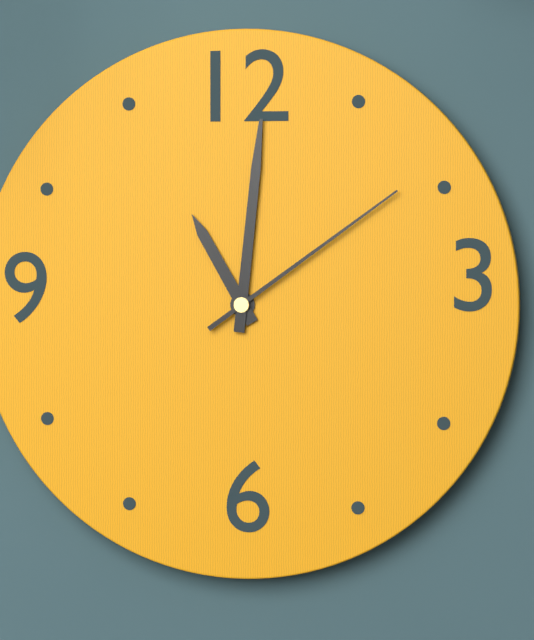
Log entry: {"hour": 11, "minute": 1, "second": 9}
